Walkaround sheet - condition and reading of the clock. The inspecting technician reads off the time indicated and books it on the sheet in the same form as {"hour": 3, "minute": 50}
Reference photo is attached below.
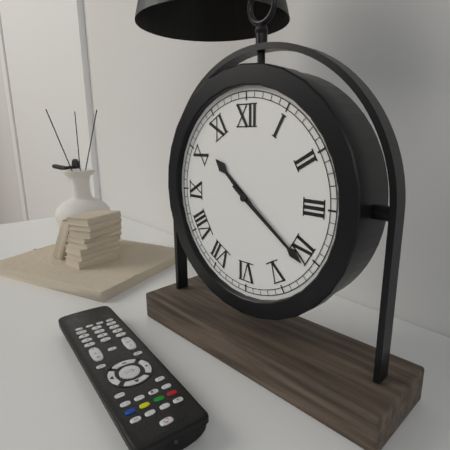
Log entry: {"hour": 10, "minute": 21}
